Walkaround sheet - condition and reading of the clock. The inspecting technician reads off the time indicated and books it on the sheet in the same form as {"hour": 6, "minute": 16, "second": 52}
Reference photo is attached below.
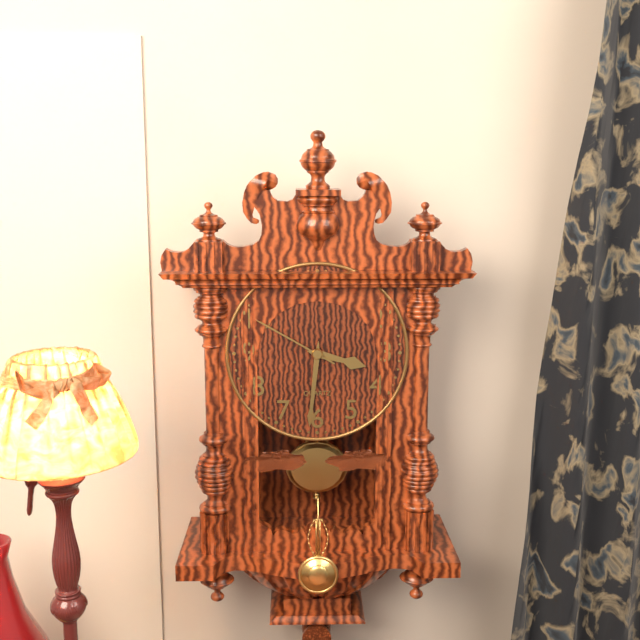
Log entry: {"hour": 3, "minute": 31, "second": 50}
